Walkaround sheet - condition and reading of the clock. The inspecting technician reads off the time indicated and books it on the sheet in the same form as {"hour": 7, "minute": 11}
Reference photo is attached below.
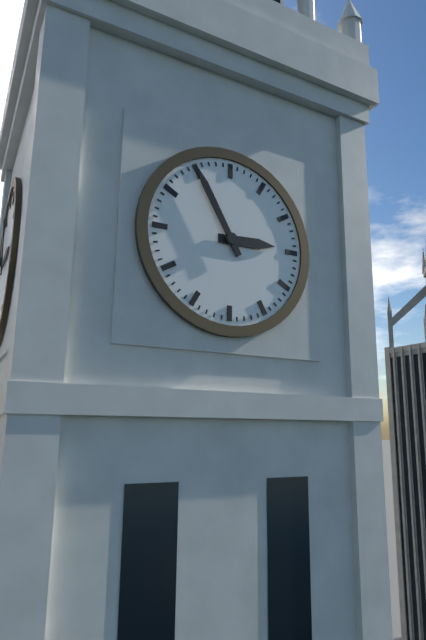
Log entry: {"hour": 2, "minute": 55}
